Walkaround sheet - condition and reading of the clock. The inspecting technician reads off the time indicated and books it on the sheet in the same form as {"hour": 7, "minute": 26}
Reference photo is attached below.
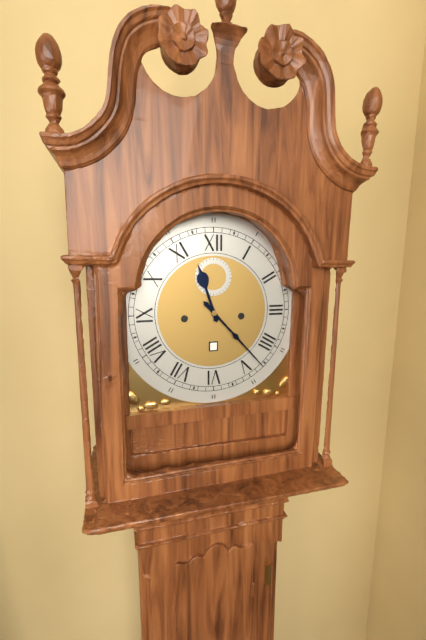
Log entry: {"hour": 11, "minute": 23}
